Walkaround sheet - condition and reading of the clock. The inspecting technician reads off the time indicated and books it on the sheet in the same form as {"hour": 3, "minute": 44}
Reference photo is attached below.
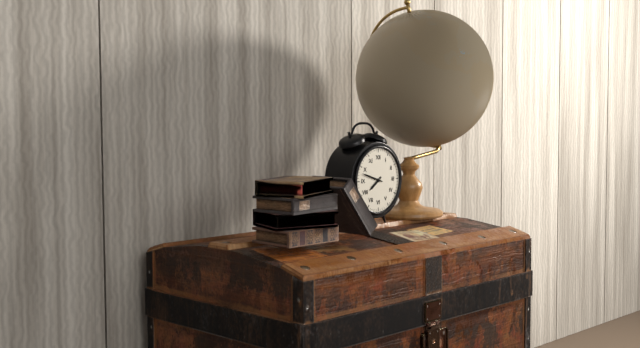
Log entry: {"hour": 7, "minute": 48}
